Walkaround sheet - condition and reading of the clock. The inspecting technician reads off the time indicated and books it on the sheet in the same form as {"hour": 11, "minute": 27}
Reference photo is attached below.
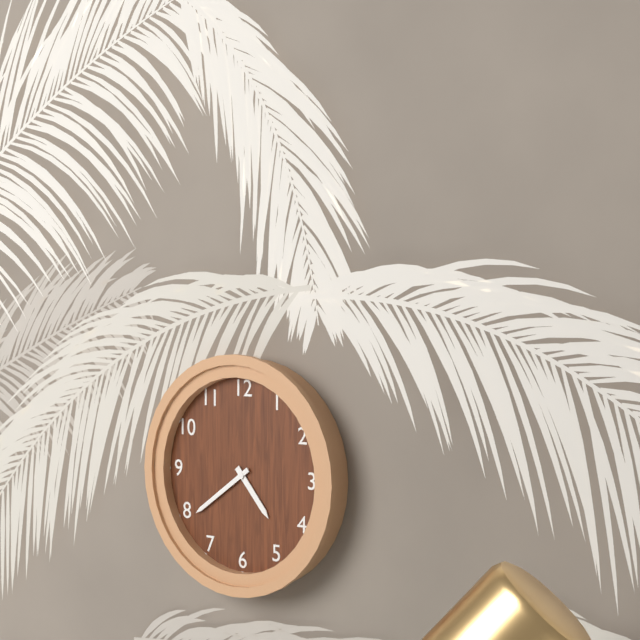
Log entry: {"hour": 4, "minute": 39}
